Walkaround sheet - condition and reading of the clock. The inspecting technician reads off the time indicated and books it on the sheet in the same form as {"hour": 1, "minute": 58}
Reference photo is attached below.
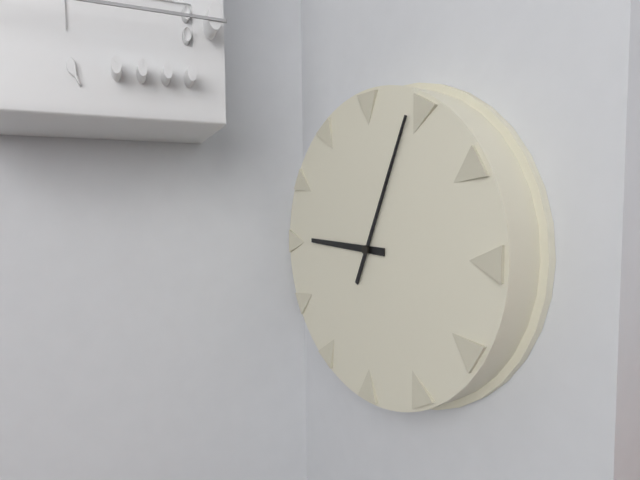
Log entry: {"hour": 9, "minute": 4}
